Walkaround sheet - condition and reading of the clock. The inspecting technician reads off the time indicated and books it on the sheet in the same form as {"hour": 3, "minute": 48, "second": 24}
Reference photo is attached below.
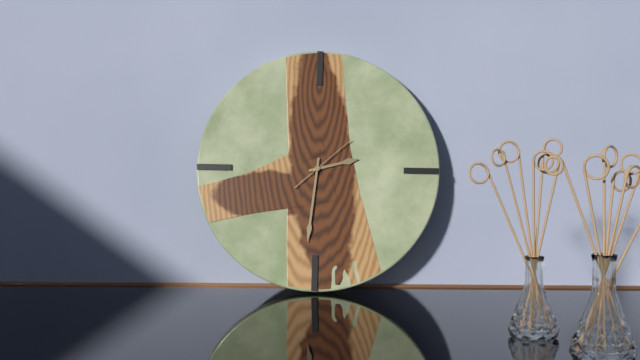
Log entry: {"hour": 2, "minute": 31, "second": 8}
